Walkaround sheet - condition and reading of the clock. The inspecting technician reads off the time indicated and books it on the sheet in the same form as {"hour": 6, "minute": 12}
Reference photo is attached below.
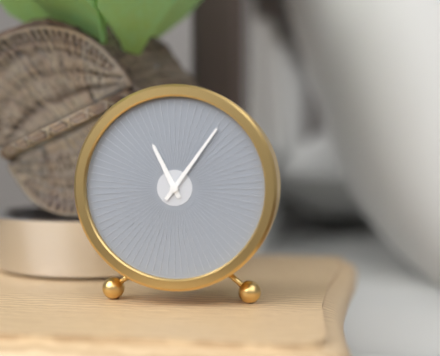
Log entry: {"hour": 11, "minute": 6}
